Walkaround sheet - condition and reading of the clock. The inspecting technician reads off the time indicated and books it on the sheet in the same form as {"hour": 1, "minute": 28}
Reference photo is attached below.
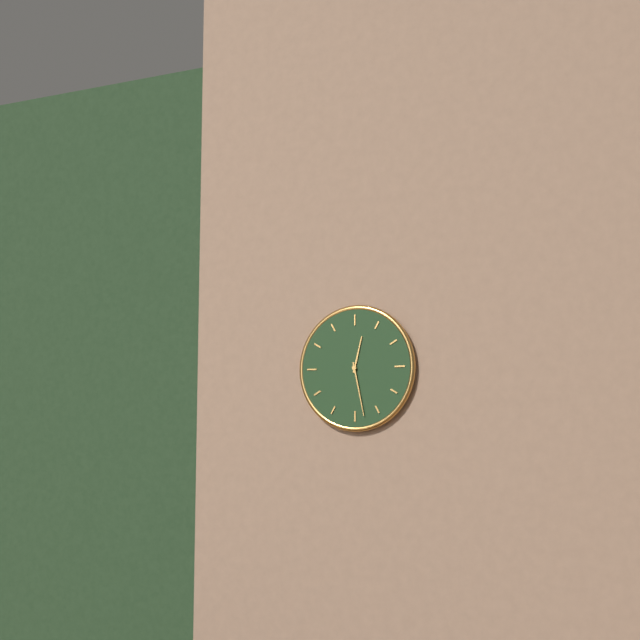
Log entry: {"hour": 12, "minute": 28}
